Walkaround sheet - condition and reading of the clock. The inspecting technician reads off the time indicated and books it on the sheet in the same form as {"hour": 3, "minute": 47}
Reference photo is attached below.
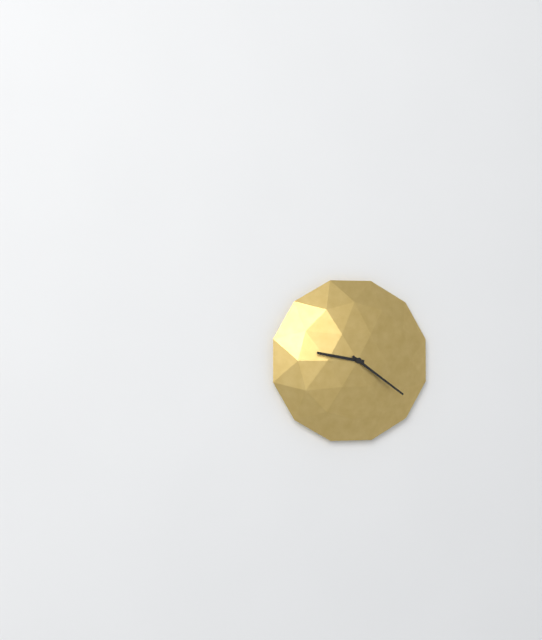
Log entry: {"hour": 9, "minute": 21}
